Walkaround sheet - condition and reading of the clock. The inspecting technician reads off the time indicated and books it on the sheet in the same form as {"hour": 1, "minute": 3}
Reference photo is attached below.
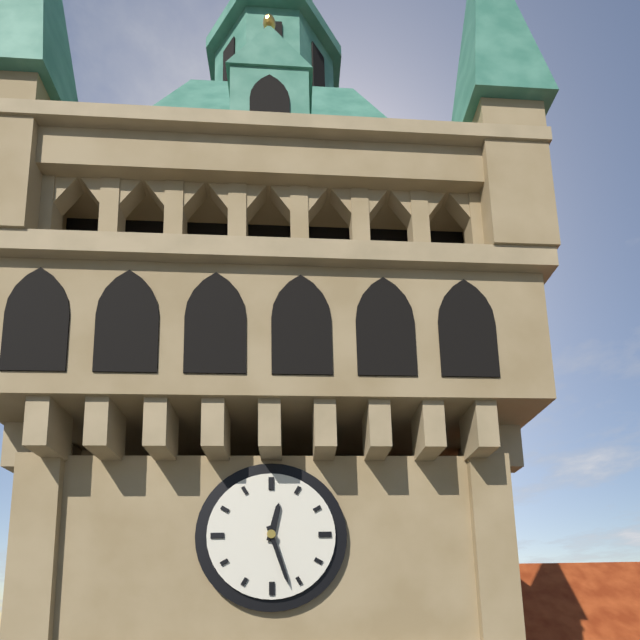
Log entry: {"hour": 12, "minute": 27}
